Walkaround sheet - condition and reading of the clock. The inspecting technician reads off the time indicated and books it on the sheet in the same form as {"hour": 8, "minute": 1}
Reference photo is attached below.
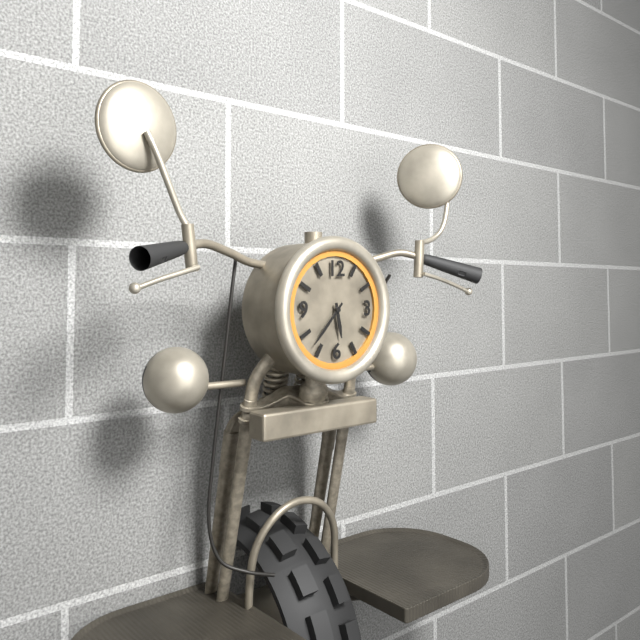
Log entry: {"hour": 5, "minute": 37}
